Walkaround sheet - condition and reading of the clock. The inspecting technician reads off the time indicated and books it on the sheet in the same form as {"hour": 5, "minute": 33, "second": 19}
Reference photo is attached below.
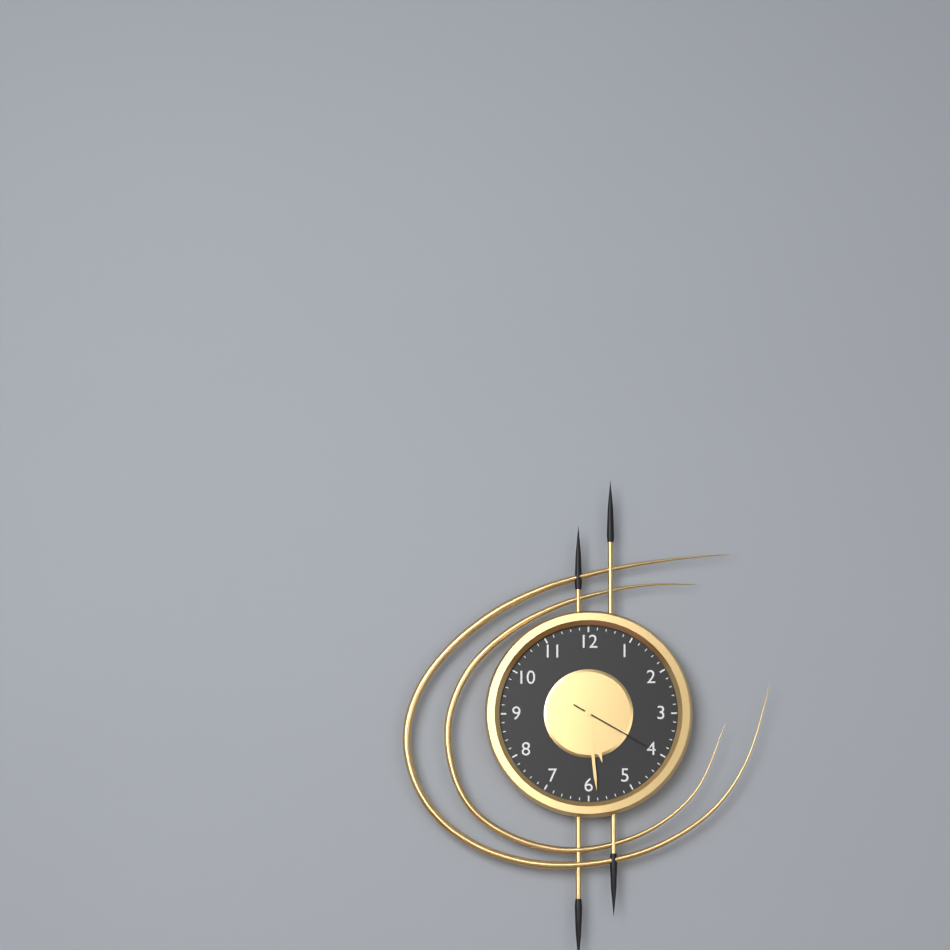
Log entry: {"hour": 5, "minute": 29, "second": 20}
